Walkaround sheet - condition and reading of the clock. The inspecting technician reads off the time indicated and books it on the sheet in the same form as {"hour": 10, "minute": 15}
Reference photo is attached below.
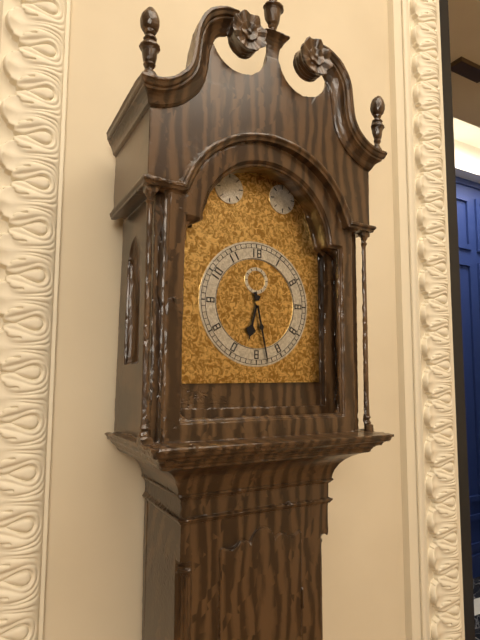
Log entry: {"hour": 6, "minute": 28}
